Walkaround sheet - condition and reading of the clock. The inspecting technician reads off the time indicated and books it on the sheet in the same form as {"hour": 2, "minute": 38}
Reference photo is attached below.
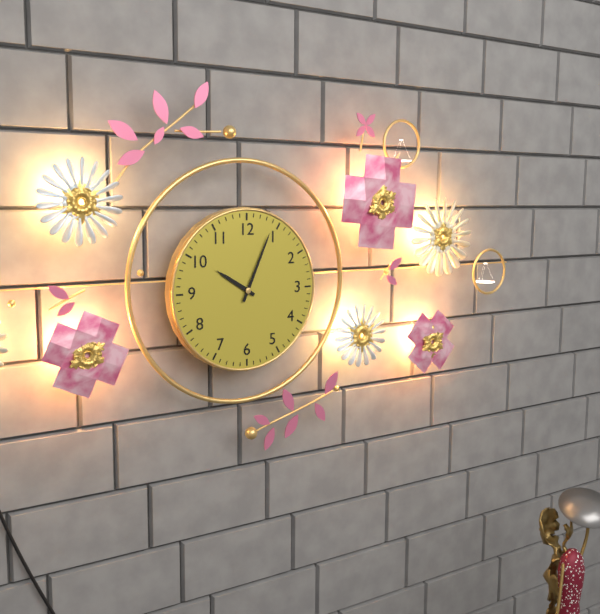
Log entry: {"hour": 10, "minute": 4}
